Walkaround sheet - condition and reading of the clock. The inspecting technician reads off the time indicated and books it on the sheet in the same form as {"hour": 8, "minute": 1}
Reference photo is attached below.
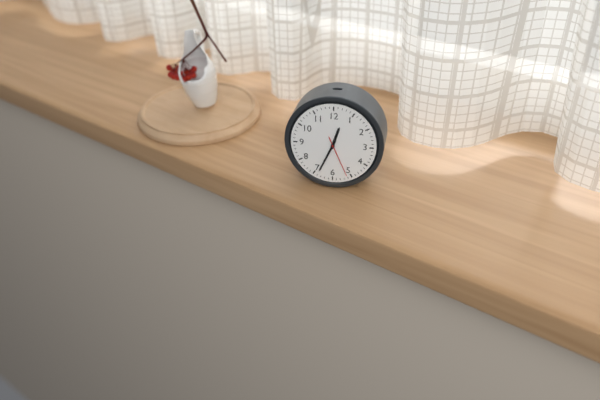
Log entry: {"hour": 12, "minute": 34}
